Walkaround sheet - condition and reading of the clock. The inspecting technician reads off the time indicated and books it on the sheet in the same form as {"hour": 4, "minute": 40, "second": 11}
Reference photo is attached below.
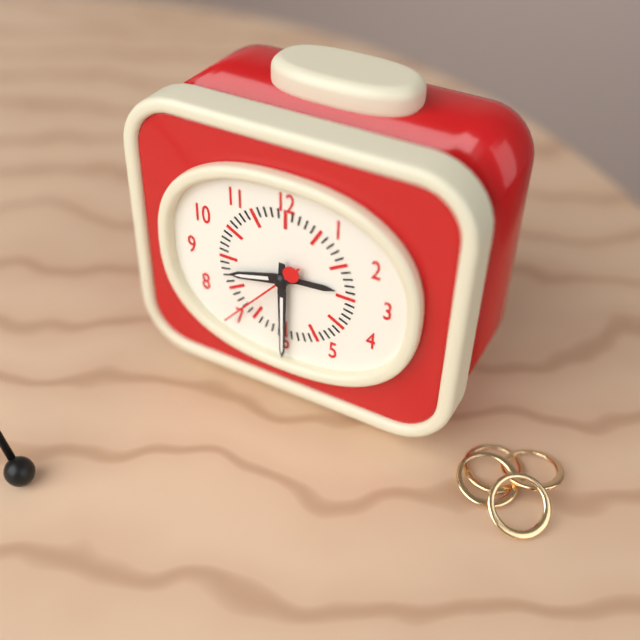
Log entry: {"hour": 8, "minute": 30, "second": 37}
